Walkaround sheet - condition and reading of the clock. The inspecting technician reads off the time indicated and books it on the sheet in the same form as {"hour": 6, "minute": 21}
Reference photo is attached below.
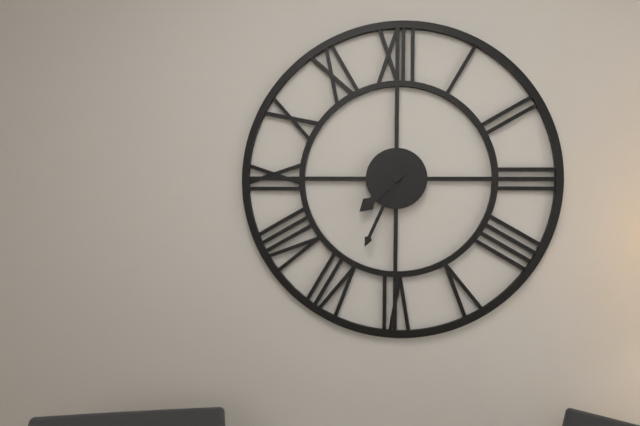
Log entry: {"hour": 7, "minute": 34}
